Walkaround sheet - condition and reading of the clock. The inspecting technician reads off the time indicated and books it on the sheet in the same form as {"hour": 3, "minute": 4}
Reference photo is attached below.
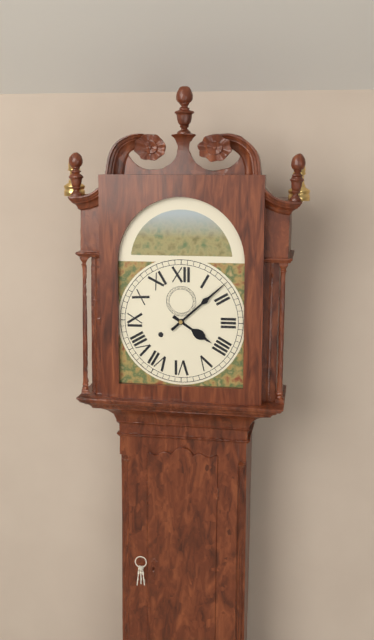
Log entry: {"hour": 4, "minute": 8}
